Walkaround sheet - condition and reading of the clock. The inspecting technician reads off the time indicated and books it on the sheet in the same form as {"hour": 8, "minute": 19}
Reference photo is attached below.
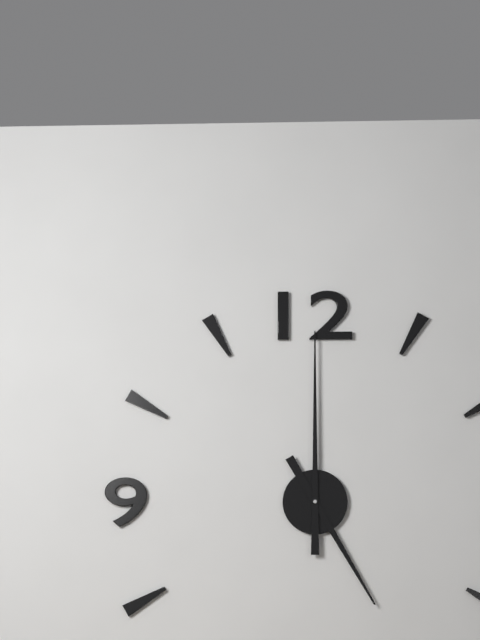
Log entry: {"hour": 5, "minute": 0}
